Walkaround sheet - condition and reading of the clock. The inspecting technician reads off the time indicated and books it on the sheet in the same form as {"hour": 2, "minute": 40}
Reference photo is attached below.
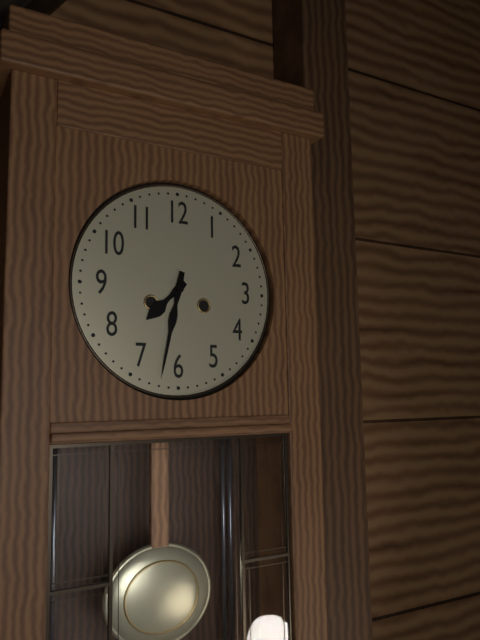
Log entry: {"hour": 7, "minute": 32}
